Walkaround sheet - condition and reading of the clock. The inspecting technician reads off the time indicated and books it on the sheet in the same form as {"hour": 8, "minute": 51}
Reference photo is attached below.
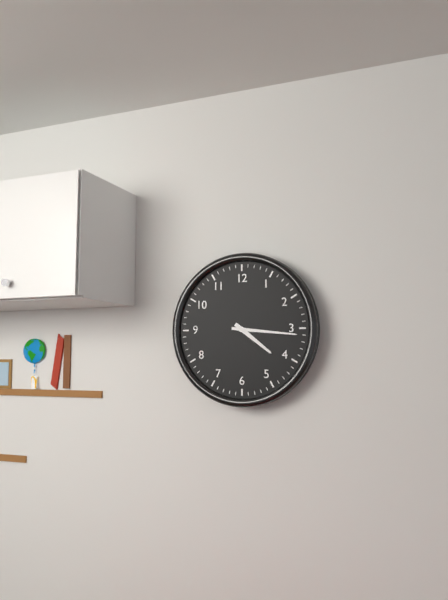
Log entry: {"hour": 4, "minute": 16}
